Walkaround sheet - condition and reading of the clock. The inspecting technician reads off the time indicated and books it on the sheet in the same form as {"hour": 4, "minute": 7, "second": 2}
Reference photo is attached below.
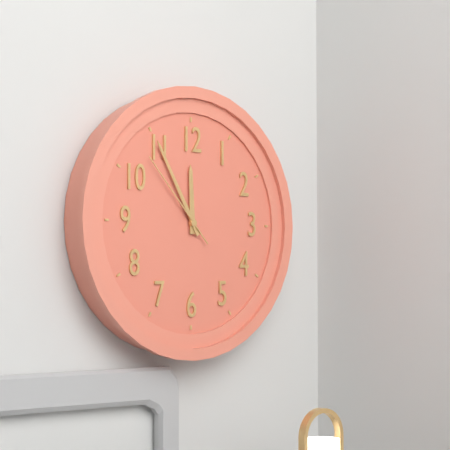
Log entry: {"hour": 11, "minute": 55, "second": 53}
